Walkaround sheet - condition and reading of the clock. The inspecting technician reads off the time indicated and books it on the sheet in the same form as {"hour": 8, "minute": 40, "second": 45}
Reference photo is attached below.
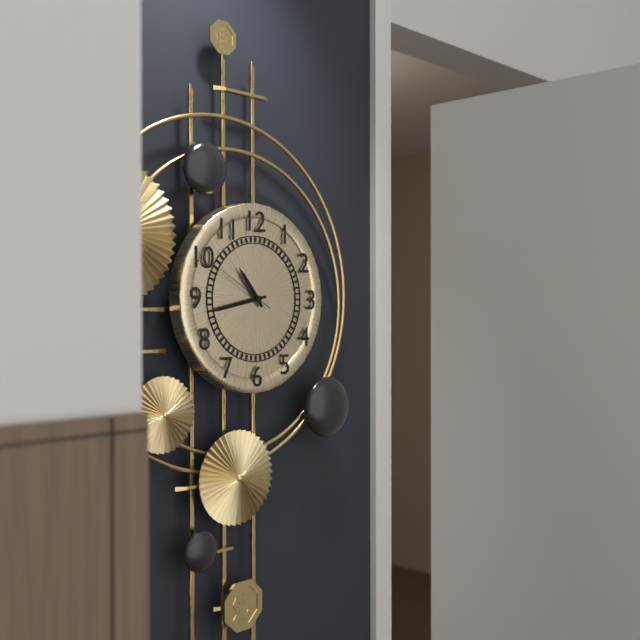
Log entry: {"hour": 10, "minute": 43, "second": 50}
